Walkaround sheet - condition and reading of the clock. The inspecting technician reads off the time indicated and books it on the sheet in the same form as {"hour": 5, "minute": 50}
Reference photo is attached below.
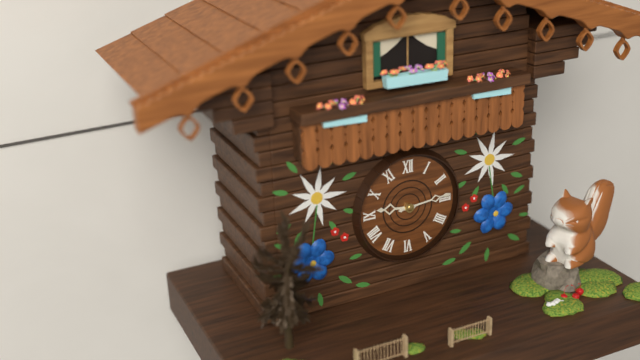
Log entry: {"hour": 9, "minute": 14}
